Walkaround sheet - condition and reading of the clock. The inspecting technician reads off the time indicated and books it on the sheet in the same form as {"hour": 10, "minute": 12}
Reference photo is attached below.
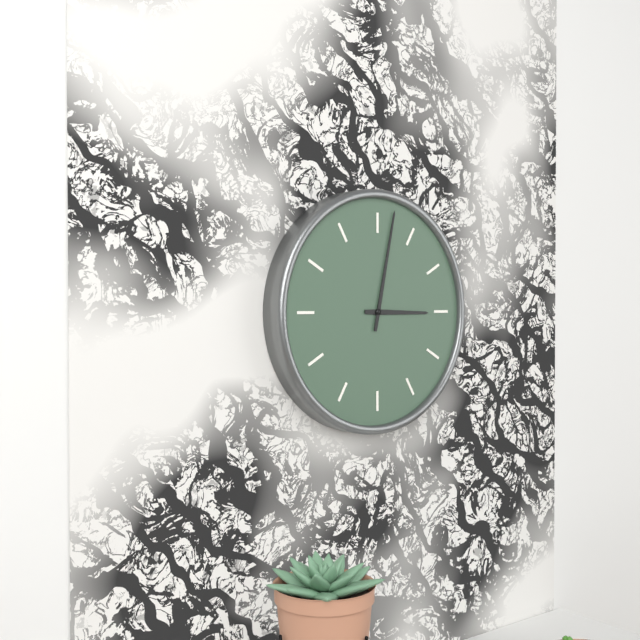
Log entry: {"hour": 3, "minute": 2}
